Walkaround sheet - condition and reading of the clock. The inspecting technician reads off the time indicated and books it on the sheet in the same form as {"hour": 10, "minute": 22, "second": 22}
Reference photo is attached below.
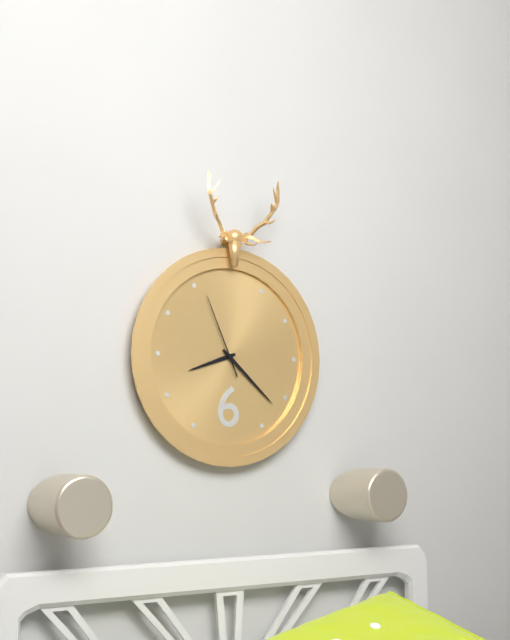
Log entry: {"hour": 8, "minute": 22, "second": 56}
